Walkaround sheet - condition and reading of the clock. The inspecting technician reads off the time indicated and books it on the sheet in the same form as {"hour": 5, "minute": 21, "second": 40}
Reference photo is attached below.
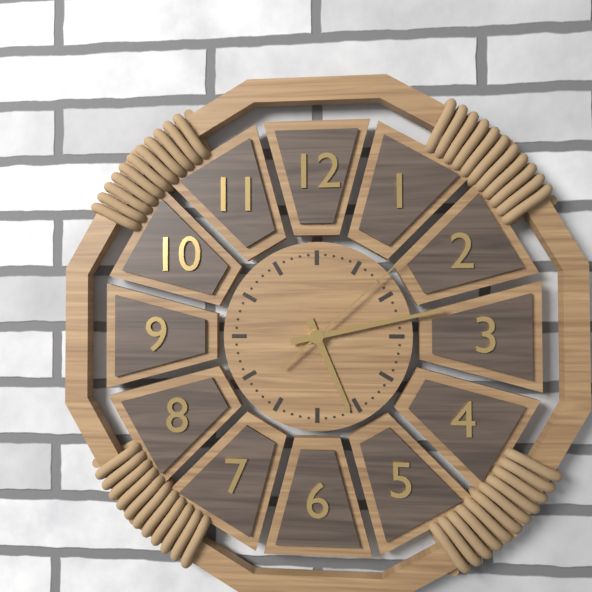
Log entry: {"hour": 5, "minute": 13, "second": 8}
